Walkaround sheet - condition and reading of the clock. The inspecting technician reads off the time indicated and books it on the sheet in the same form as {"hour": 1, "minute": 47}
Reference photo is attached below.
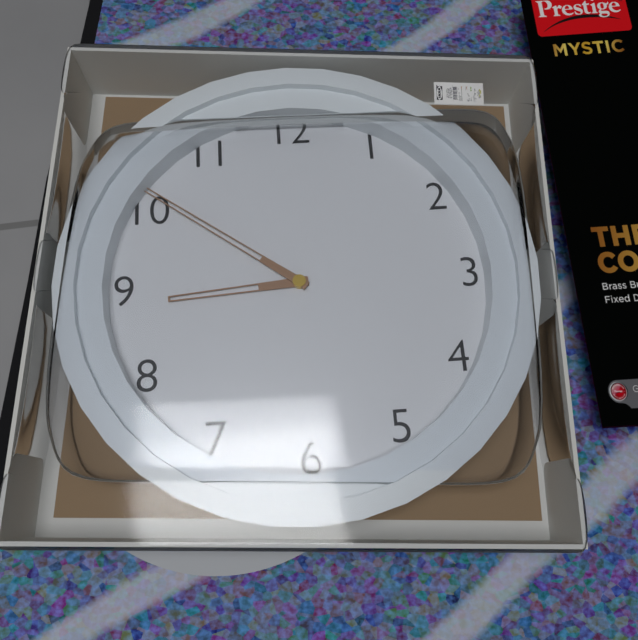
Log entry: {"hour": 8, "minute": 51}
